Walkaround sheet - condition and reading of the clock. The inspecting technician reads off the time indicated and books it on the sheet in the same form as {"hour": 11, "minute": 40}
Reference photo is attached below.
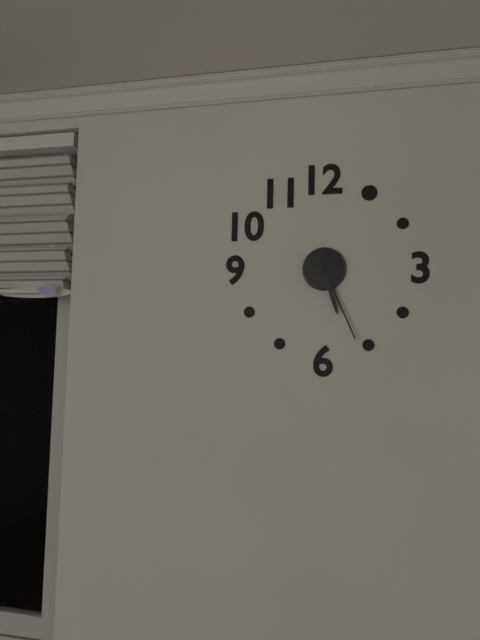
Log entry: {"hour": 5, "minute": 26}
